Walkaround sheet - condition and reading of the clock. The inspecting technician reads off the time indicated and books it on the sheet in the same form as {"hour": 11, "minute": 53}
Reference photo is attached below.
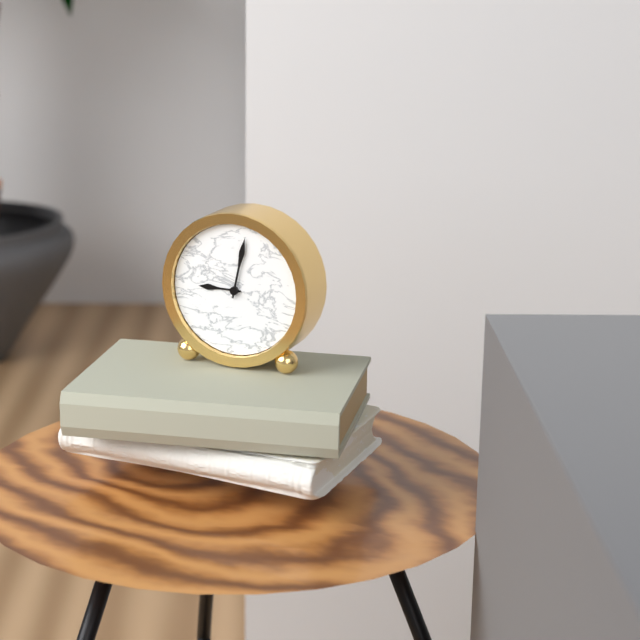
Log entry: {"hour": 9, "minute": 2}
